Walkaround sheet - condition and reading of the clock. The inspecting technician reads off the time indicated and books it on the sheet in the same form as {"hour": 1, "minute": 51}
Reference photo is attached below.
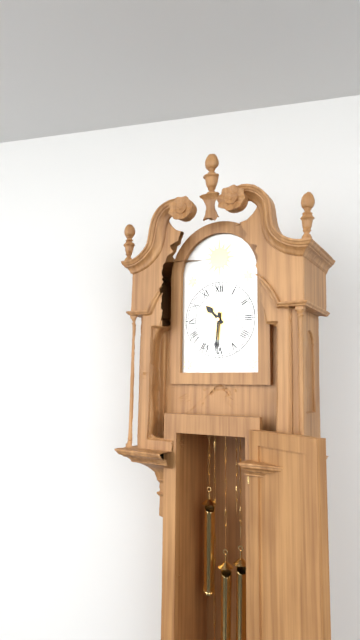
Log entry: {"hour": 10, "minute": 31}
